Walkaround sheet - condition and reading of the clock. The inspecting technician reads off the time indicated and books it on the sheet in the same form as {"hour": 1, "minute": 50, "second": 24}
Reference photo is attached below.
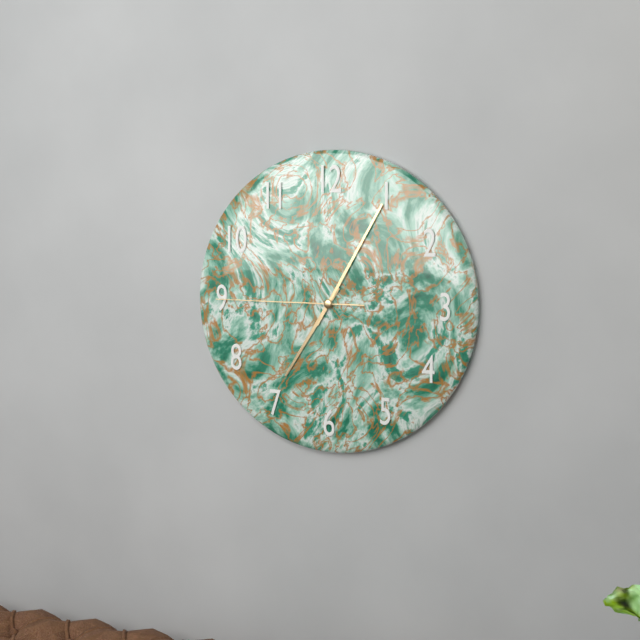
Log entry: {"hour": 7, "minute": 5, "second": 45}
